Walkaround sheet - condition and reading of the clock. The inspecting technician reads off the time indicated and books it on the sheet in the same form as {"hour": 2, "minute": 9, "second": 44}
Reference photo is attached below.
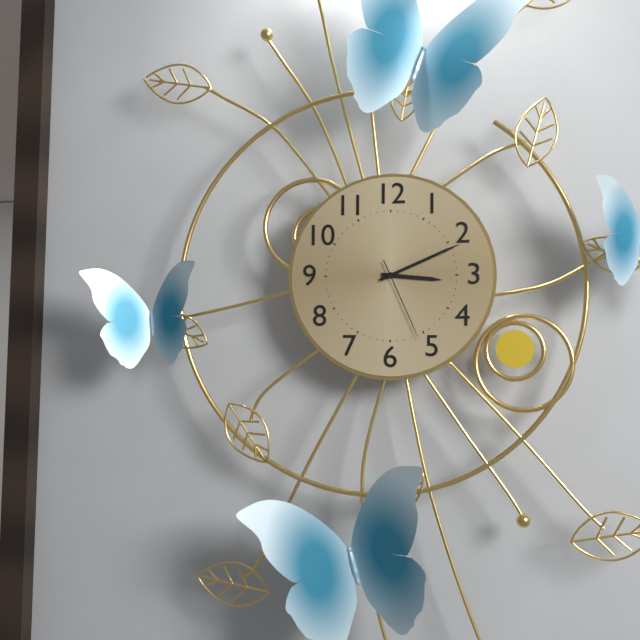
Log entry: {"hour": 3, "minute": 11, "second": 26}
